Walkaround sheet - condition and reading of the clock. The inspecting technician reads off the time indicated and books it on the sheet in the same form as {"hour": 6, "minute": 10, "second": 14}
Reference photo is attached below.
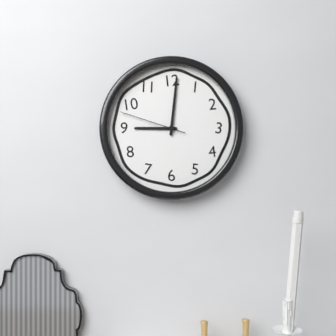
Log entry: {"hour": 9, "minute": 1, "second": 48}
